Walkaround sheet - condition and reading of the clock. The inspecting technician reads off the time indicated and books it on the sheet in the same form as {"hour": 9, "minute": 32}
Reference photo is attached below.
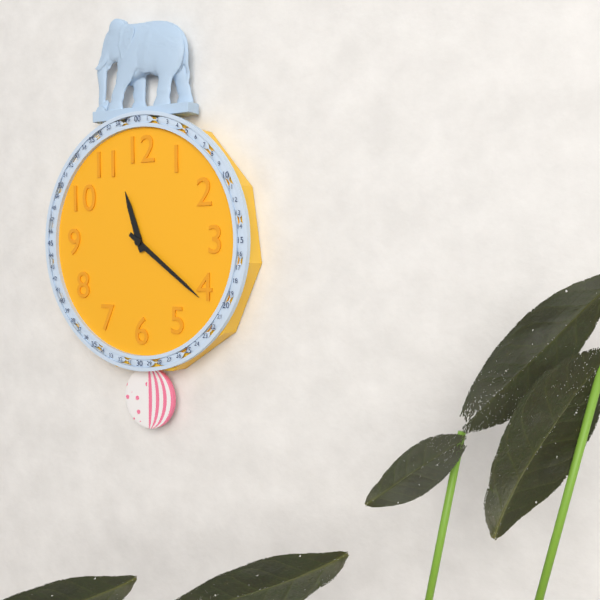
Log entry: {"hour": 11, "minute": 21}
